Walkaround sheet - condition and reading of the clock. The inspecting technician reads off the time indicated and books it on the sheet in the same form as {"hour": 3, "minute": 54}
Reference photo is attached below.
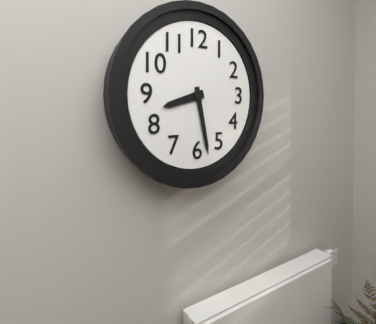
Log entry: {"hour": 8, "minute": 28}
